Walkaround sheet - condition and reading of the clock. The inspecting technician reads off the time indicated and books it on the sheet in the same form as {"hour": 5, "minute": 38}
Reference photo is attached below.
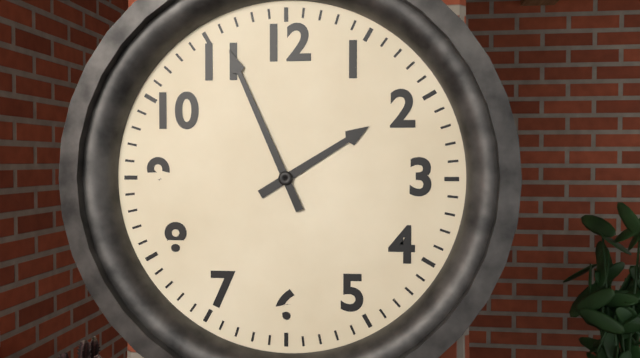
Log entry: {"hour": 1, "minute": 56}
